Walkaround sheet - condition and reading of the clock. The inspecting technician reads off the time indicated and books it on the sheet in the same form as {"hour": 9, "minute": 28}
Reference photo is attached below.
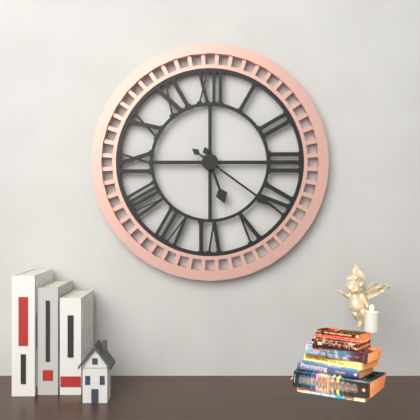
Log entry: {"hour": 5, "minute": 21}
